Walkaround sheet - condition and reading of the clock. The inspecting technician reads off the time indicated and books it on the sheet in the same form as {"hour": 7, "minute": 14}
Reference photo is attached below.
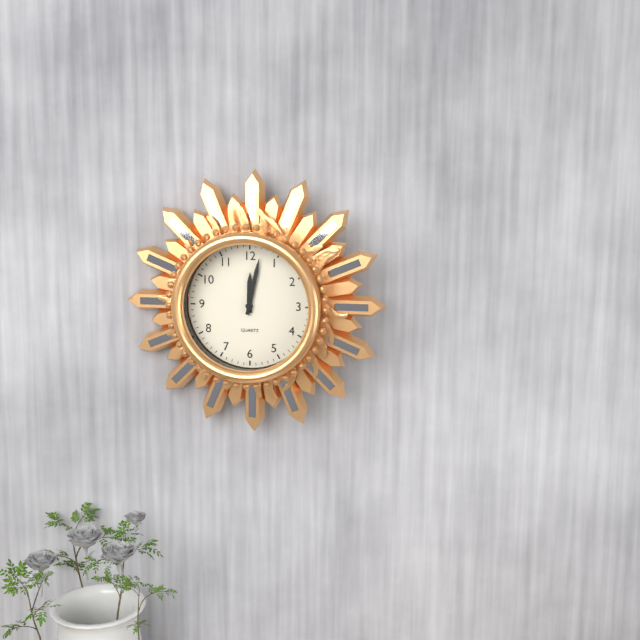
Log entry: {"hour": 12, "minute": 2}
